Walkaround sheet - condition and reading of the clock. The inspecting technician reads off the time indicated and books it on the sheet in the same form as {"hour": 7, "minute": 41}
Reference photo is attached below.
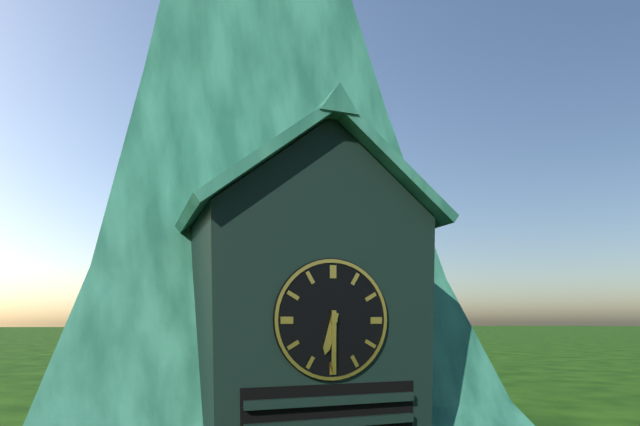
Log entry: {"hour": 6, "minute": 30}
